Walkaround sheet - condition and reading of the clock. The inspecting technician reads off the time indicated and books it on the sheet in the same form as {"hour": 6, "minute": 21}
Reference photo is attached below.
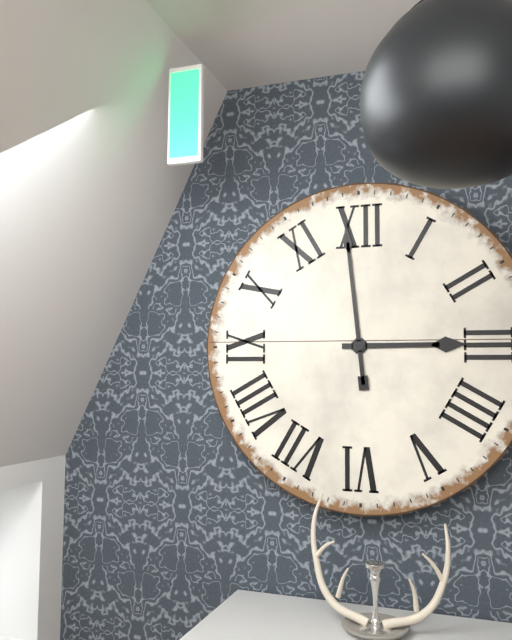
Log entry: {"hour": 2, "minute": 59}
